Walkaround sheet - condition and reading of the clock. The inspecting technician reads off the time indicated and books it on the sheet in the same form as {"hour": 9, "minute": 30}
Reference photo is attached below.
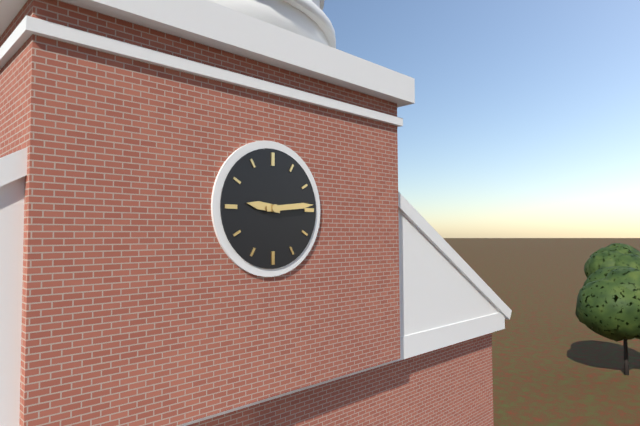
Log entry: {"hour": 9, "minute": 14}
